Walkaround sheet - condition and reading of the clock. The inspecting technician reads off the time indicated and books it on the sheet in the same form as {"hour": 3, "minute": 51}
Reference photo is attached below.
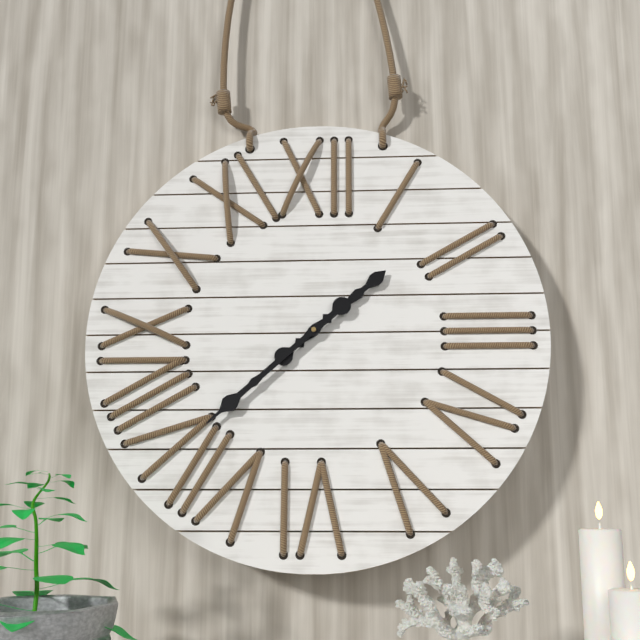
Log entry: {"hour": 1, "minute": 38}
